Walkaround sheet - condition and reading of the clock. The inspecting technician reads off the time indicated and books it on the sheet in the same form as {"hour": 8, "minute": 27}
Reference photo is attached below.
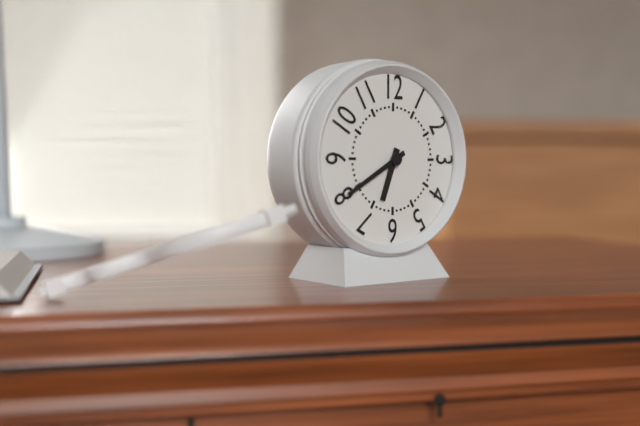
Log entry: {"hour": 6, "minute": 40}
